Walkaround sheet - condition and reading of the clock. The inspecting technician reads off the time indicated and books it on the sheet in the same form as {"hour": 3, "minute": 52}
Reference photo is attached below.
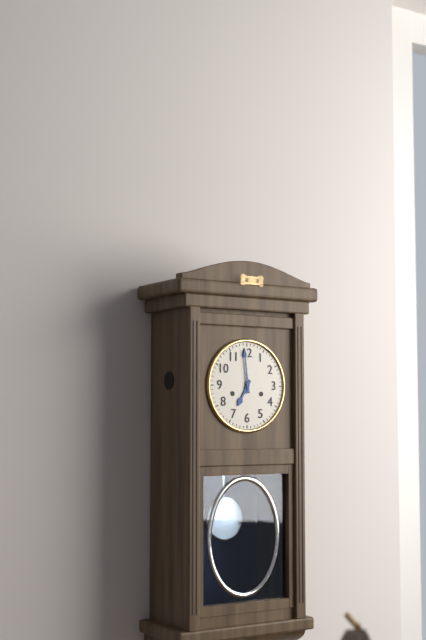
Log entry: {"hour": 6, "minute": 59}
